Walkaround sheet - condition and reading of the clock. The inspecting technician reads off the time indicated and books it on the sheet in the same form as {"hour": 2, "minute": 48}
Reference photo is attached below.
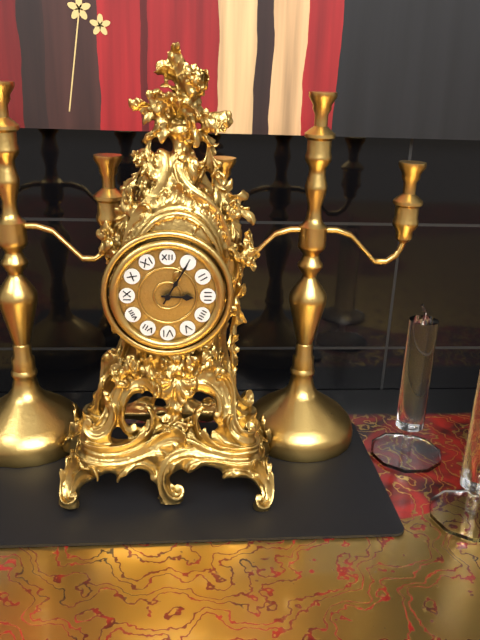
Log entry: {"hour": 3, "minute": 5}
